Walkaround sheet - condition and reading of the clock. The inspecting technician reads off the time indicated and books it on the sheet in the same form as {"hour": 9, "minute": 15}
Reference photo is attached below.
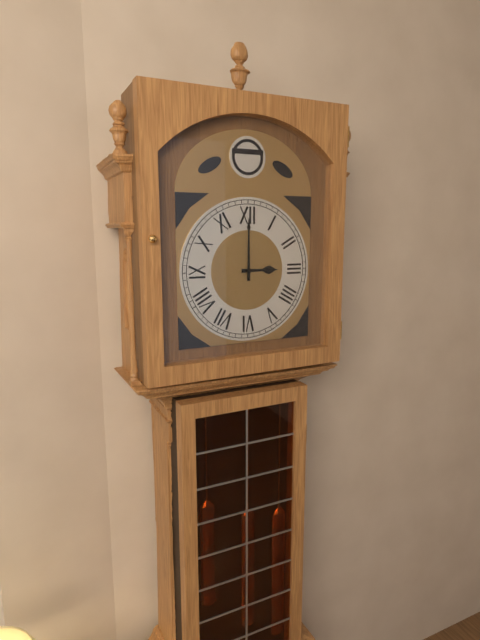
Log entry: {"hour": 3, "minute": 0}
